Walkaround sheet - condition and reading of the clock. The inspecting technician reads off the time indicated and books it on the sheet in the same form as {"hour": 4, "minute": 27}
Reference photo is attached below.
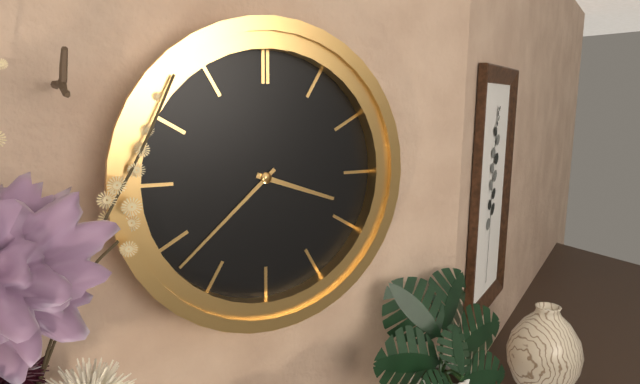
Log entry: {"hour": 3, "minute": 38}
